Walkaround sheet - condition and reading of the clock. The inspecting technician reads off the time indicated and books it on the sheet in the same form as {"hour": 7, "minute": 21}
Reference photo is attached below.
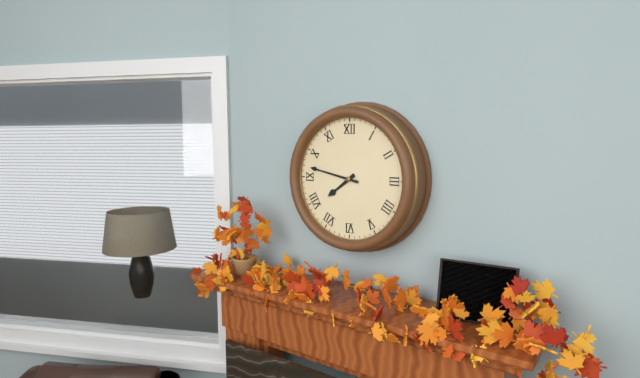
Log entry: {"hour": 7, "minute": 47}
